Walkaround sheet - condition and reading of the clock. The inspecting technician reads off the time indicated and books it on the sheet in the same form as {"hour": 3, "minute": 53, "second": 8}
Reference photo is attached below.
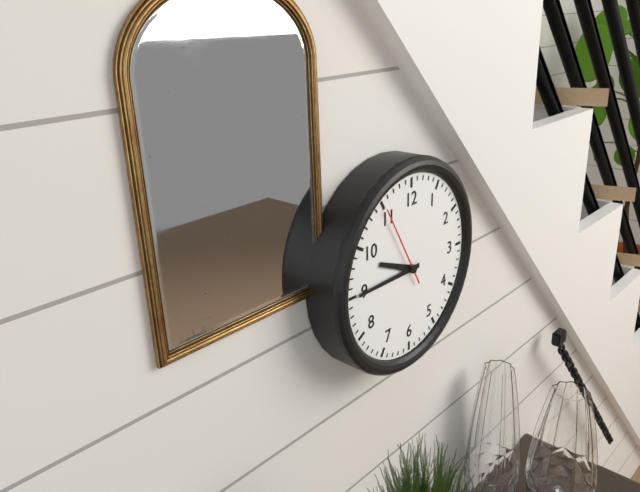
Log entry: {"hour": 9, "minute": 45, "second": 55}
